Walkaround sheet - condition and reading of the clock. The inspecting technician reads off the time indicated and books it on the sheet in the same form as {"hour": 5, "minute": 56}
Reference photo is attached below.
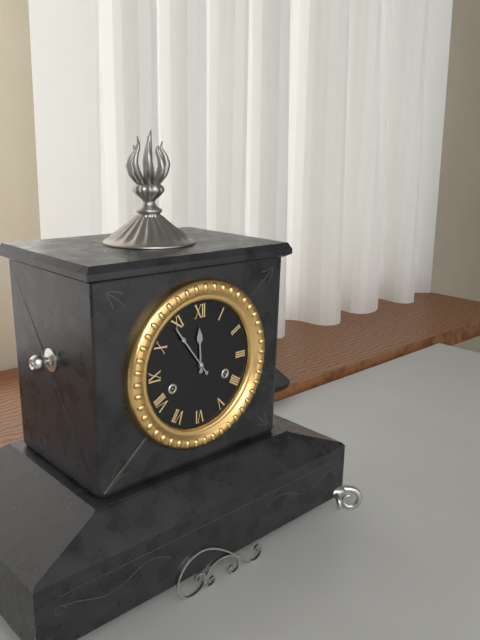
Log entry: {"hour": 11, "minute": 54}
